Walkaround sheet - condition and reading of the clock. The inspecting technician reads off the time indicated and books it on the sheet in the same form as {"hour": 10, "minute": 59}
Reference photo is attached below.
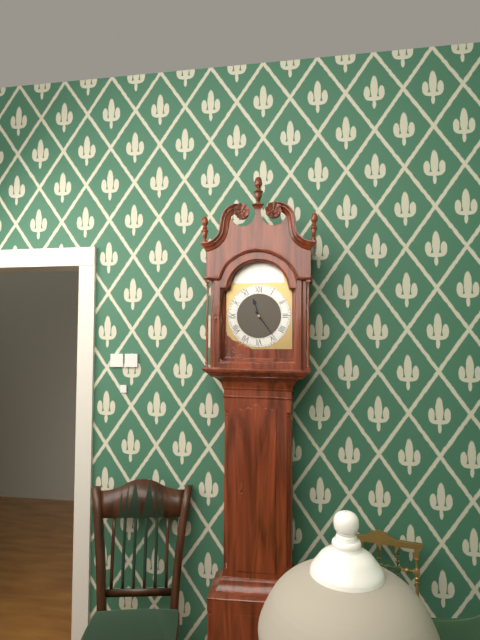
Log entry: {"hour": 11, "minute": 24}
